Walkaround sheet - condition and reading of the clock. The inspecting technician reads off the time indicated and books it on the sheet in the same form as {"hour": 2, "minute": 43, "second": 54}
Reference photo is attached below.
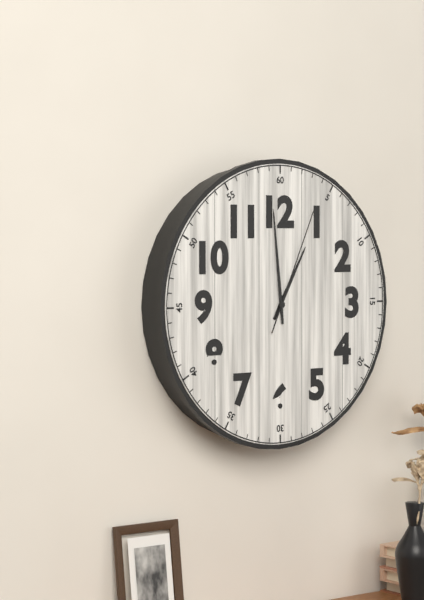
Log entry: {"hour": 12, "minute": 59, "second": 4}
